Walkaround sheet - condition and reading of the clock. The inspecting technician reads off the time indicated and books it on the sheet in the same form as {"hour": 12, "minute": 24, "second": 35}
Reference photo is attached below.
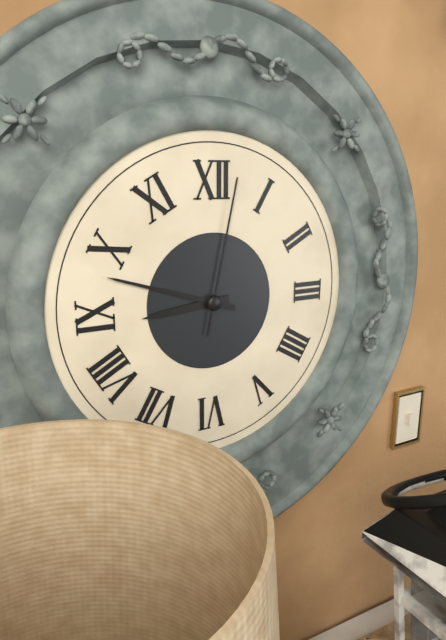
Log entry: {"hour": 8, "minute": 48, "second": 2}
